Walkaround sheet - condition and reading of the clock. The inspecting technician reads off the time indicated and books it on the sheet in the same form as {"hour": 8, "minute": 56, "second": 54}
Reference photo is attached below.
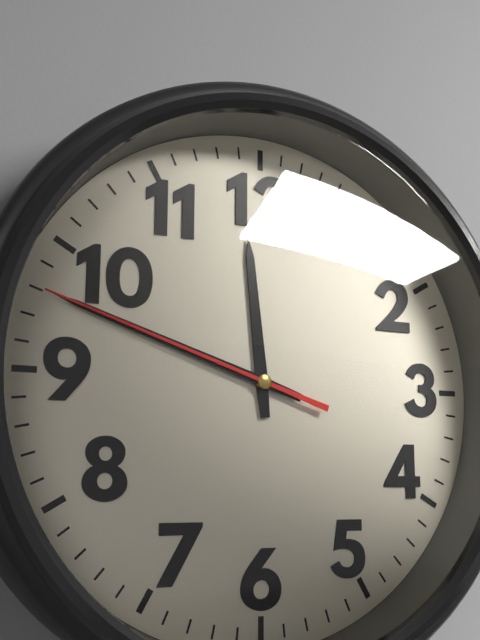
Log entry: {"hour": 11, "minute": 48, "second": 48}
